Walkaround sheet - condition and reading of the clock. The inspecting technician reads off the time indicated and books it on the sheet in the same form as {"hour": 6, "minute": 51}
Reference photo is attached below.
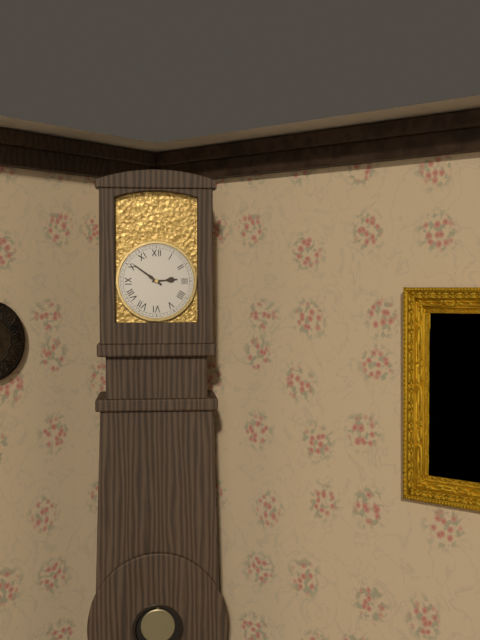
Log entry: {"hour": 2, "minute": 51}
